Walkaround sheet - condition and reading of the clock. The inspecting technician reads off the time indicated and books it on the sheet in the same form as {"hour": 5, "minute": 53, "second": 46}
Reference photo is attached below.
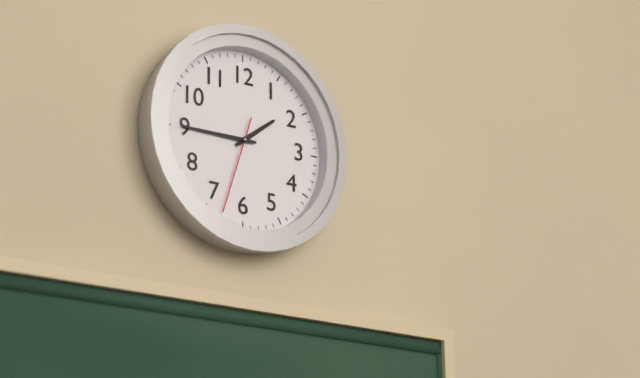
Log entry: {"hour": 1, "minute": 45, "second": 33}
